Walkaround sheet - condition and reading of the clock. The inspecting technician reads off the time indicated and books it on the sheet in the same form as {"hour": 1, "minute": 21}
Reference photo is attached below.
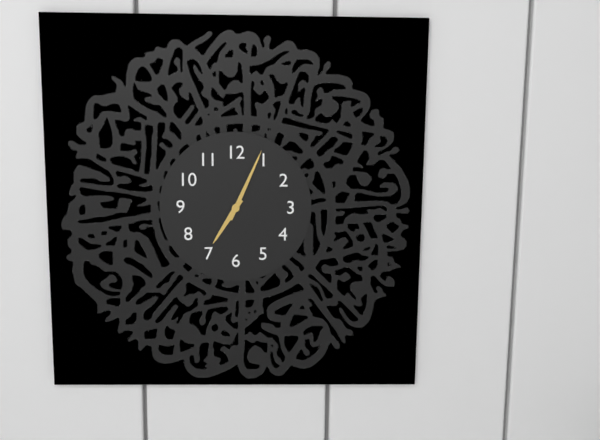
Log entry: {"hour": 7, "minute": 4}
